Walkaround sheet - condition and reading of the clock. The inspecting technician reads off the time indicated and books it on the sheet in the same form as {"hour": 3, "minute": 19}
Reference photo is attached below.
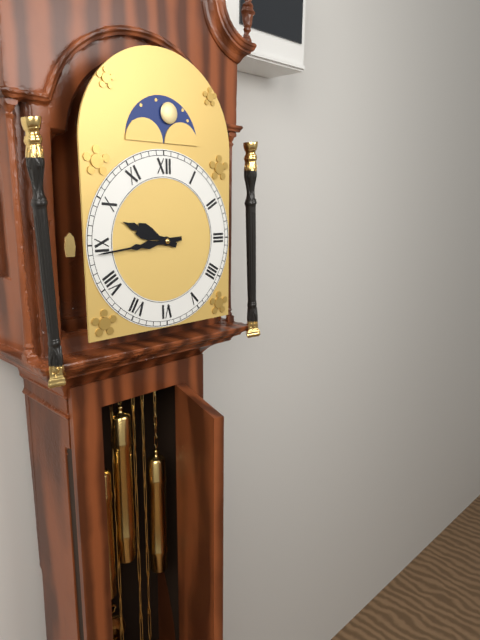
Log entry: {"hour": 9, "minute": 44}
